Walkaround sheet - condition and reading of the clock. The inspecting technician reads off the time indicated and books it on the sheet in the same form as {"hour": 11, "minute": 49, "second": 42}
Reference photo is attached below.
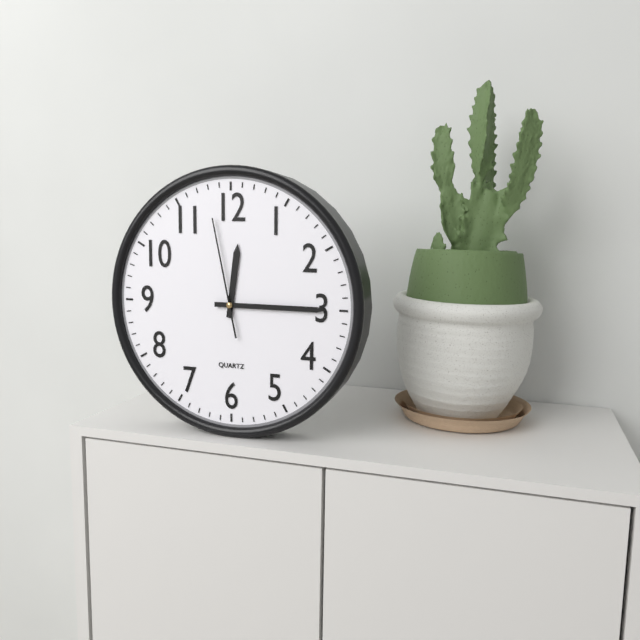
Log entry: {"hour": 12, "minute": 15, "second": 58}
